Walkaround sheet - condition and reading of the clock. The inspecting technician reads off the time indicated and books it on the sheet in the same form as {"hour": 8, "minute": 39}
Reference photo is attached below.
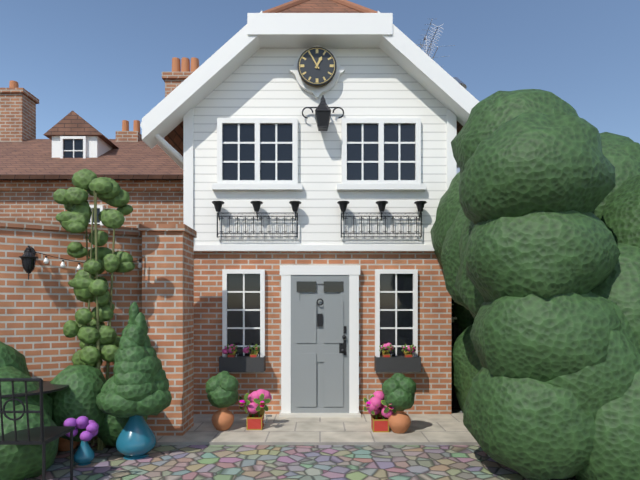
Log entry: {"hour": 12, "minute": 55}
